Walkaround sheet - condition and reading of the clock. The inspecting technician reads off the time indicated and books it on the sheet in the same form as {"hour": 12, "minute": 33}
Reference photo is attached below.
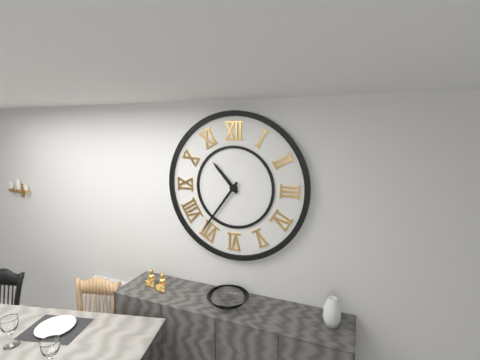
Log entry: {"hour": 10, "minute": 36}
